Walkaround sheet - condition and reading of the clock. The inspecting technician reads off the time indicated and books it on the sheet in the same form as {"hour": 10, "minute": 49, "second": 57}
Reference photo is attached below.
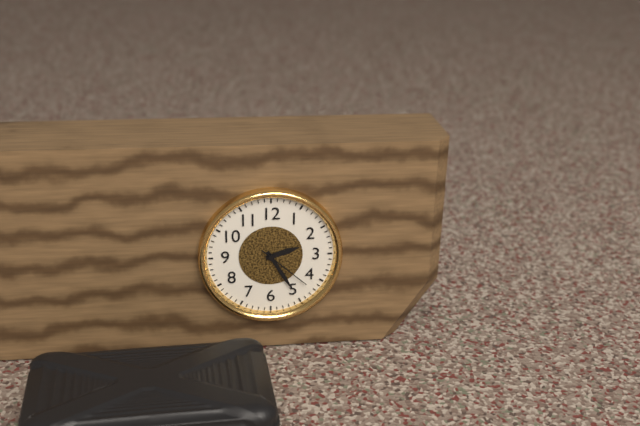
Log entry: {"hour": 2, "minute": 25, "second": 22}
